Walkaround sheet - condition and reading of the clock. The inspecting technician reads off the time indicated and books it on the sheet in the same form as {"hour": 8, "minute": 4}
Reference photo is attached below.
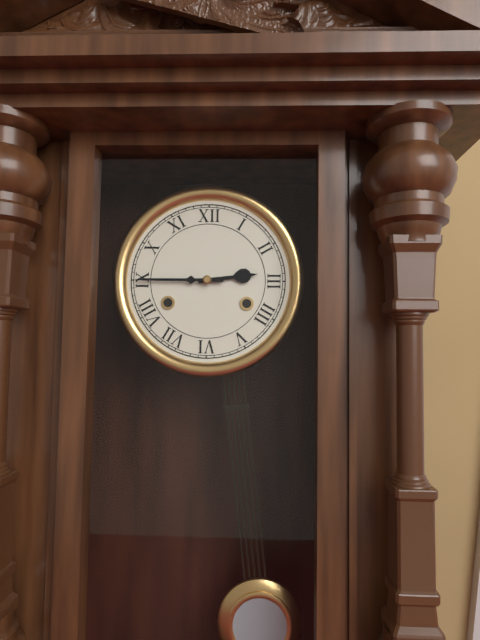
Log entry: {"hour": 2, "minute": 45}
